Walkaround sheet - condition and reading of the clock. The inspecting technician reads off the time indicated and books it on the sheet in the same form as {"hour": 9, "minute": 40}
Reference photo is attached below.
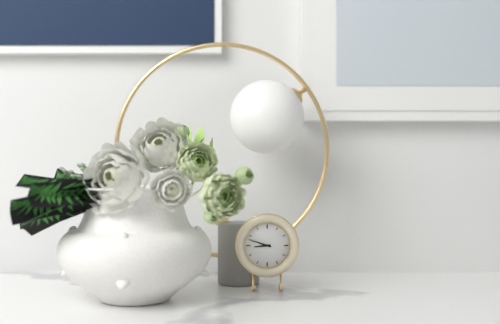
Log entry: {"hour": 8, "minute": 48}
